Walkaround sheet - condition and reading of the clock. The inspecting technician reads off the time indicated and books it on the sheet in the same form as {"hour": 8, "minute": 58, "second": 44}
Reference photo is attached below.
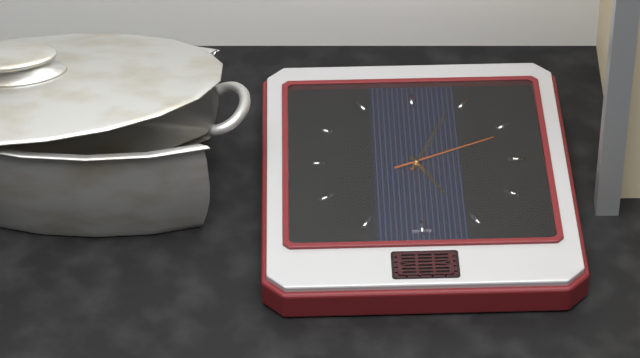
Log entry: {"hour": 5, "minute": 4, "second": 11}
